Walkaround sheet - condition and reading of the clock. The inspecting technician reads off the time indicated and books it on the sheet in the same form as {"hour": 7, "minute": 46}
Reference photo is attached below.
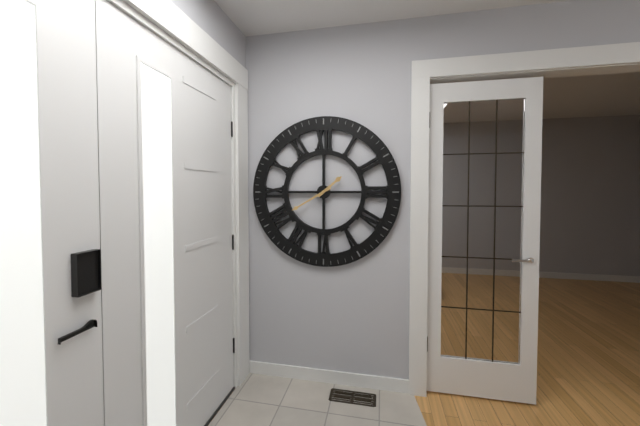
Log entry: {"hour": 1, "minute": 40}
